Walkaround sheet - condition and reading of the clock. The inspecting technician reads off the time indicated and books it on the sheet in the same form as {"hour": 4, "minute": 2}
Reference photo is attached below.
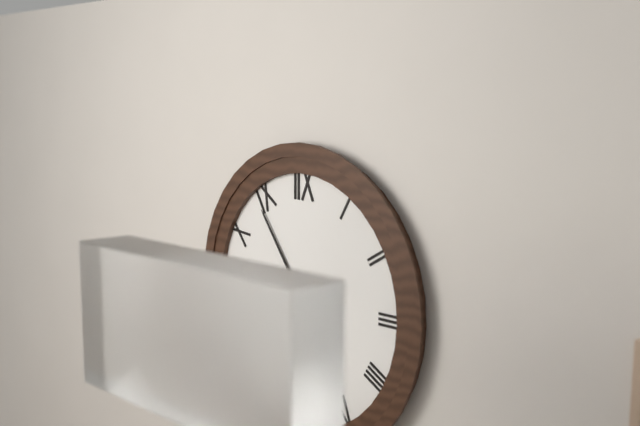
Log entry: {"hour": 7, "minute": 54}
